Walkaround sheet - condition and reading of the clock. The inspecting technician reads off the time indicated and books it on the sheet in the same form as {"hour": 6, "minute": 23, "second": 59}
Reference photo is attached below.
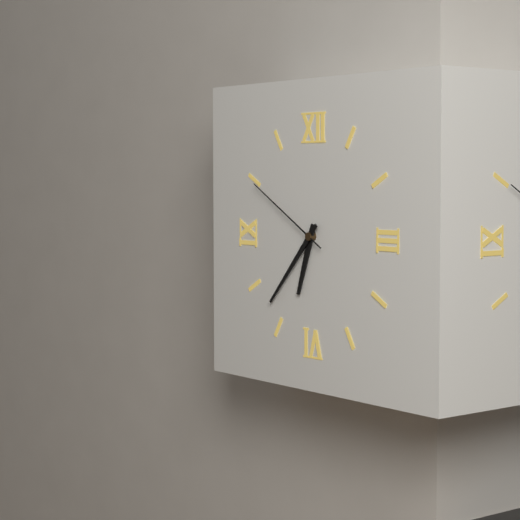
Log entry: {"hour": 6, "minute": 37, "second": 50}
